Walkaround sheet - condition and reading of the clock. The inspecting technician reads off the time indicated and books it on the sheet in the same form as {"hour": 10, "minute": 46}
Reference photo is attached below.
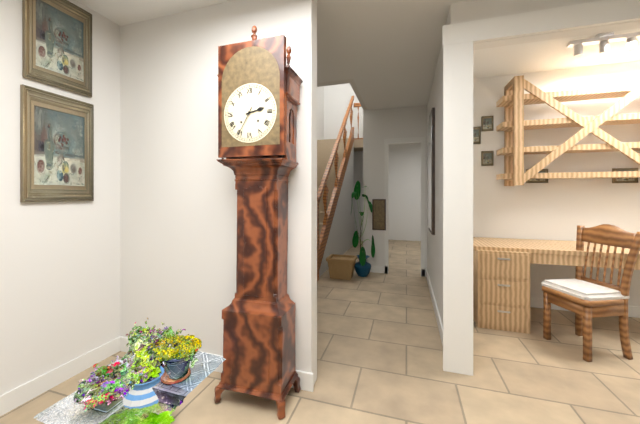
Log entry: {"hour": 2, "minute": 35}
